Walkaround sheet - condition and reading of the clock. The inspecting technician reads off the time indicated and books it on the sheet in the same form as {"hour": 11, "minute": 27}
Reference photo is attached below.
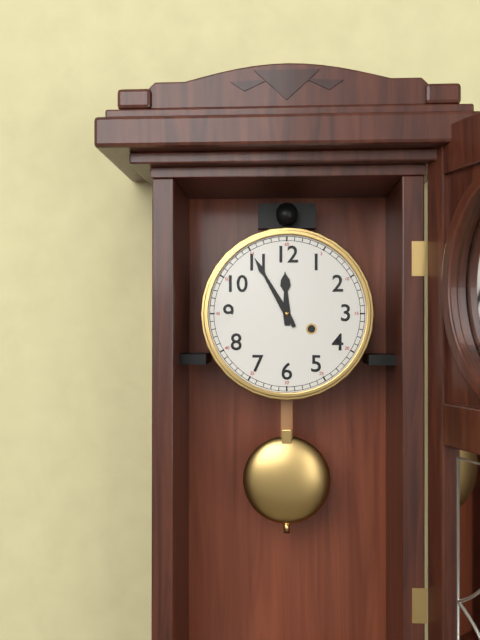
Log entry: {"hour": 11, "minute": 55}
